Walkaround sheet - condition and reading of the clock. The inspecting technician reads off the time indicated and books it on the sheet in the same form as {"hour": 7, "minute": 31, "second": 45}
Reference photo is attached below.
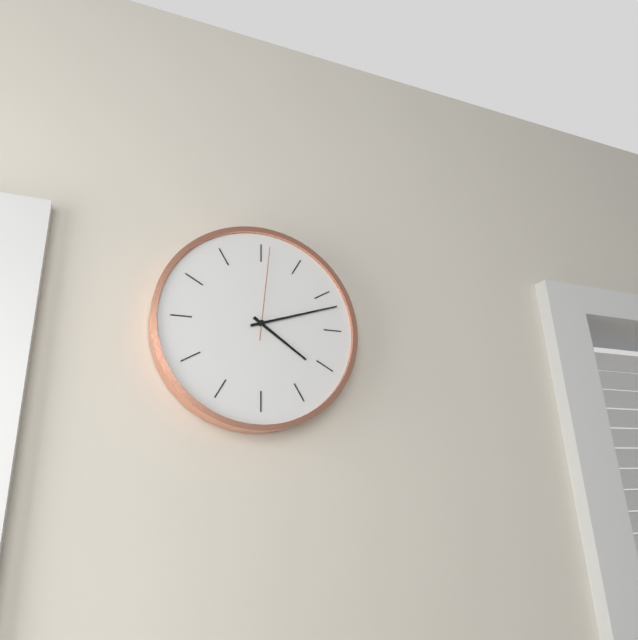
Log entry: {"hour": 4, "minute": 12, "second": 1}
